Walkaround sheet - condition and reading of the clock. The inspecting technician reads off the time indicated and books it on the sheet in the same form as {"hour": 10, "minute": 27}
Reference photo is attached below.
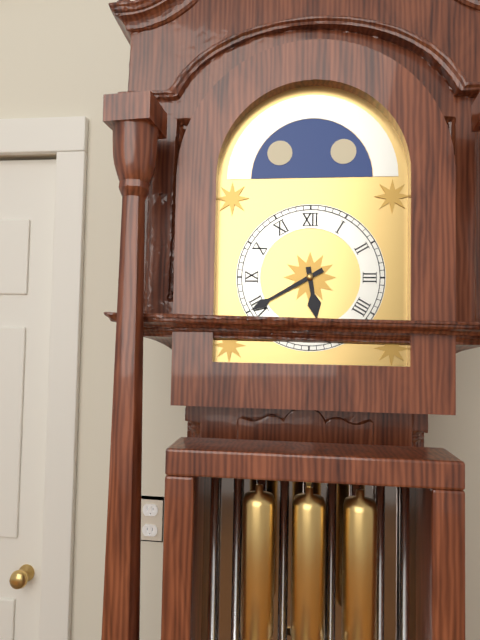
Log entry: {"hour": 5, "minute": 40}
